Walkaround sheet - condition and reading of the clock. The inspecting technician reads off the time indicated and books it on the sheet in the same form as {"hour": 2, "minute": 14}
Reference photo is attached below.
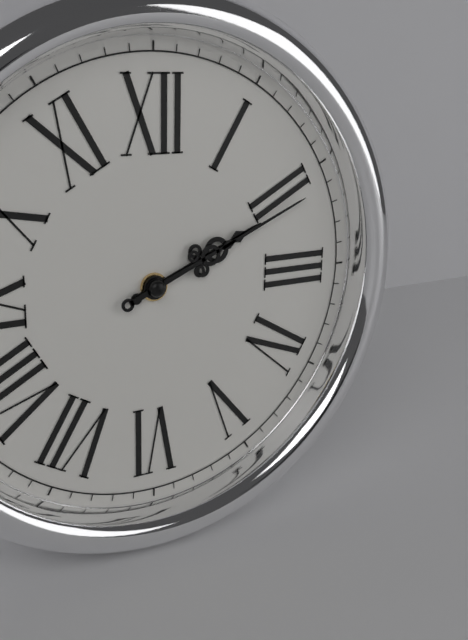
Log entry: {"hour": 2, "minute": 11}
